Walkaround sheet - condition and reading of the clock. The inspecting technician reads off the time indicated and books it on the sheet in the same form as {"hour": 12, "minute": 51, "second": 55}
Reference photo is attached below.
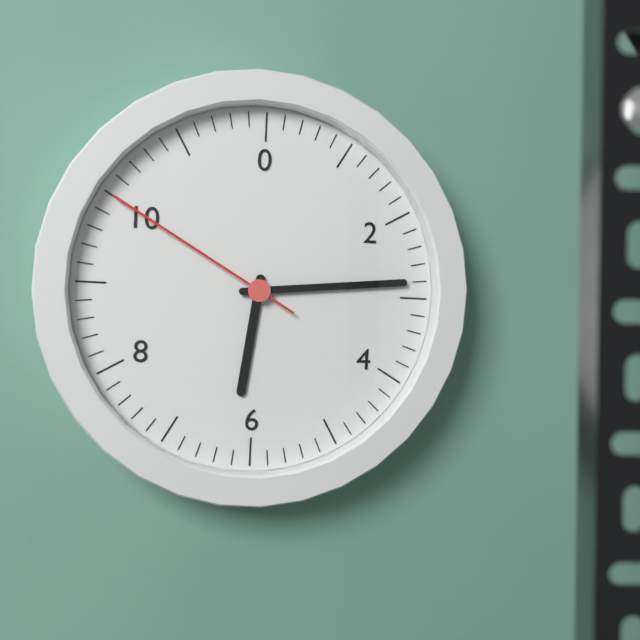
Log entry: {"hour": 6, "minute": 14, "second": 50}
